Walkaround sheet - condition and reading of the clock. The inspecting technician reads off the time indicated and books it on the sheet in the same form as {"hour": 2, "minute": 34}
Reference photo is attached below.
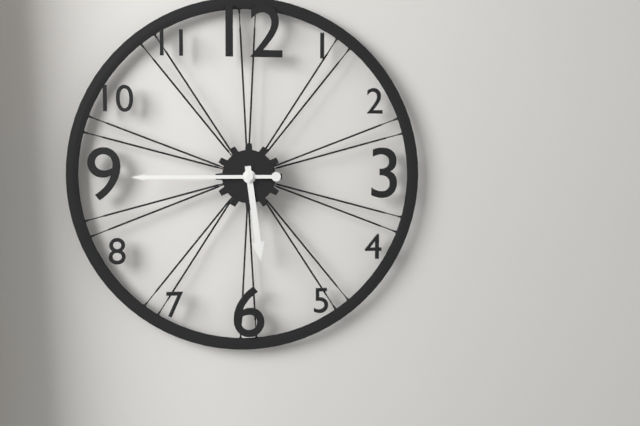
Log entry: {"hour": 5, "minute": 45}
